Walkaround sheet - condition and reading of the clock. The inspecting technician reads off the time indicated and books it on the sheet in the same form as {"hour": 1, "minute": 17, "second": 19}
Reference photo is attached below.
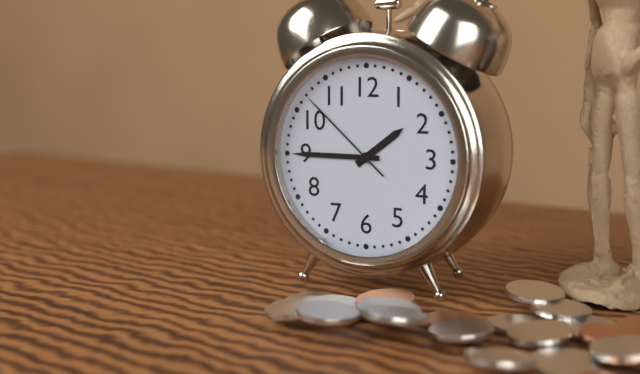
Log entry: {"hour": 1, "minute": 45, "second": 52}
